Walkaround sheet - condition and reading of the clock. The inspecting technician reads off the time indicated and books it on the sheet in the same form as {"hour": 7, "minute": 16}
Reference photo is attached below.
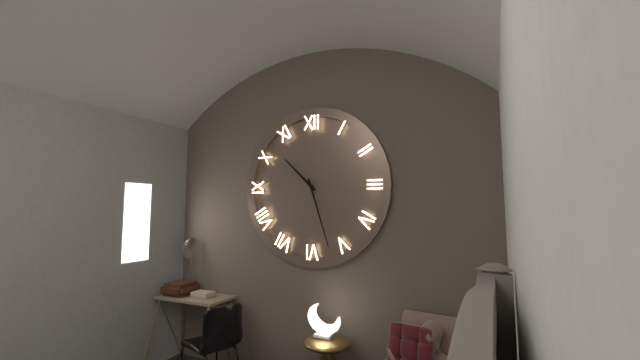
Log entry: {"hour": 10, "minute": 27}
